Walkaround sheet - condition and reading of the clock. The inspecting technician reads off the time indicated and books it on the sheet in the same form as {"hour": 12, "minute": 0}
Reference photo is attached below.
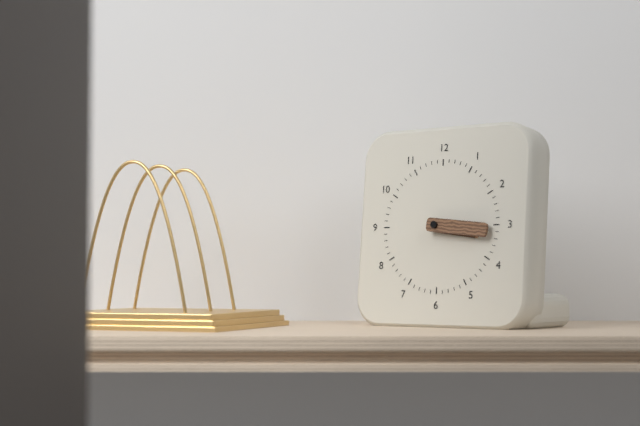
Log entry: {"hour": 3, "minute": 16}
